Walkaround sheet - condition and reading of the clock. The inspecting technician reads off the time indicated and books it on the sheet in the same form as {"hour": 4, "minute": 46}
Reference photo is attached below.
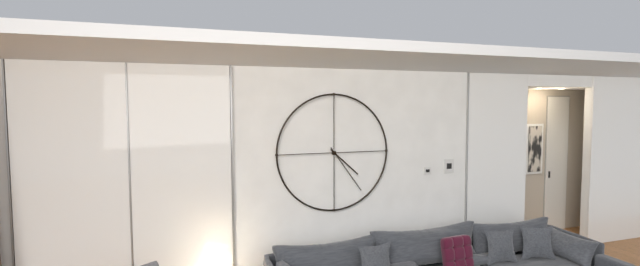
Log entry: {"hour": 4, "minute": 24}
